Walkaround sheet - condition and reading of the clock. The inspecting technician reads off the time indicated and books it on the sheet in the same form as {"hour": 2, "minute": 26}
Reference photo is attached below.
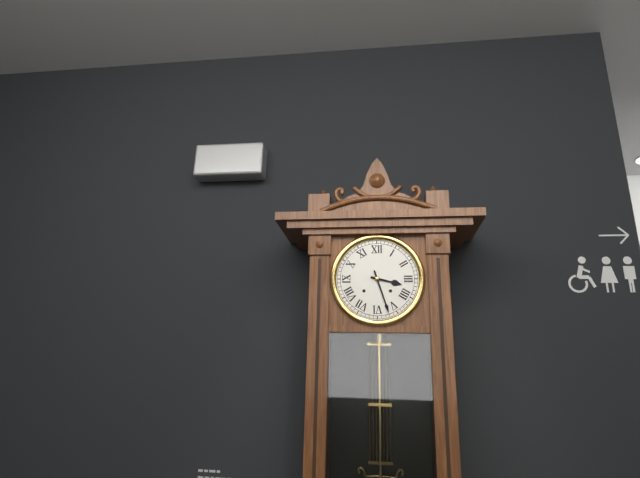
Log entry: {"hour": 3, "minute": 27}
